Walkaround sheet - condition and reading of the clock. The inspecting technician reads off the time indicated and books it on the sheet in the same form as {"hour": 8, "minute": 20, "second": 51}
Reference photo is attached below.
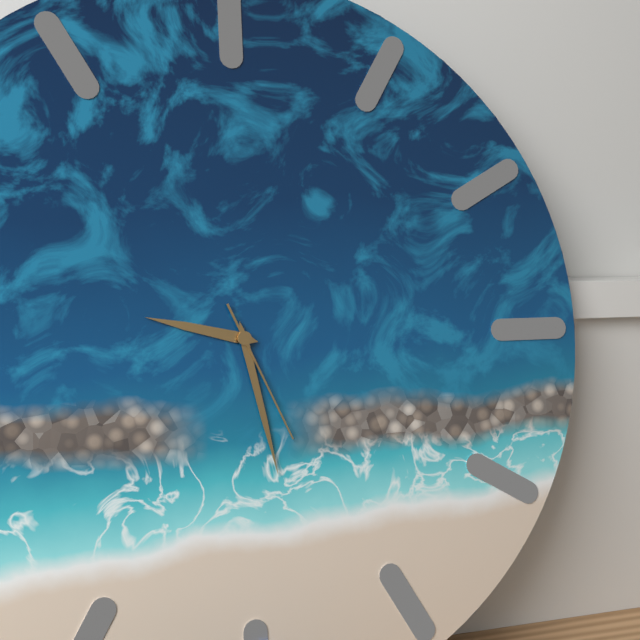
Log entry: {"hour": 9, "minute": 28, "second": 26}
